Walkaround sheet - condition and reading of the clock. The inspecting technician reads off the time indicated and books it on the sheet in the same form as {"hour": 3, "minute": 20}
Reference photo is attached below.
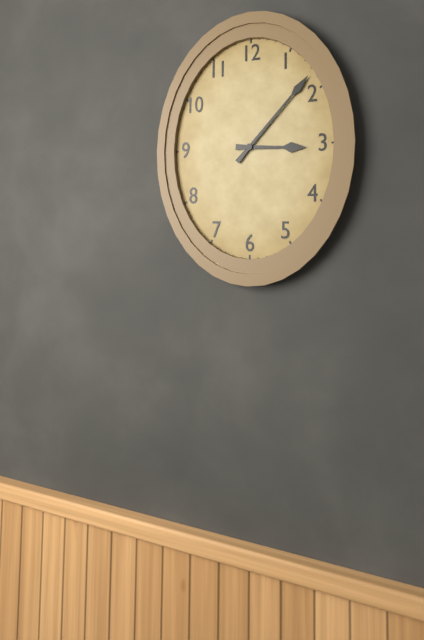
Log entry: {"hour": 3, "minute": 7}
